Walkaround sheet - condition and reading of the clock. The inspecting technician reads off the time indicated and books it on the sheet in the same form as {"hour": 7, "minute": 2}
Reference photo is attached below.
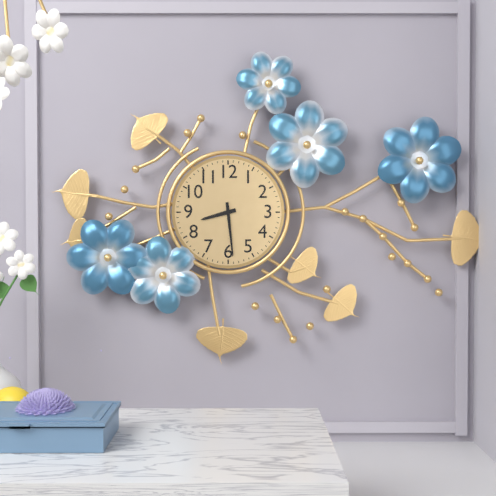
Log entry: {"hour": 8, "minute": 29}
